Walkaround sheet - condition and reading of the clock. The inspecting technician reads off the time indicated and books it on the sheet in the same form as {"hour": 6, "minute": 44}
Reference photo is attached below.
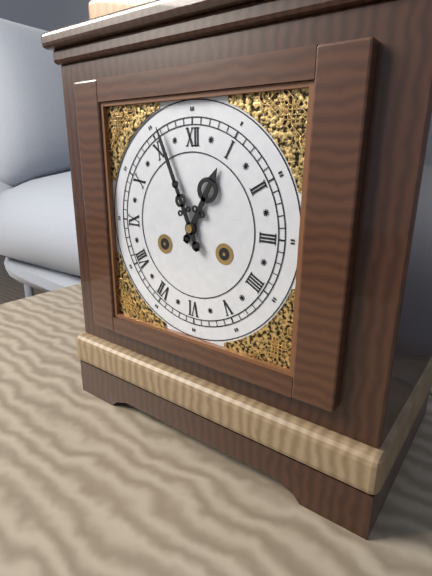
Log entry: {"hour": 12, "minute": 56}
